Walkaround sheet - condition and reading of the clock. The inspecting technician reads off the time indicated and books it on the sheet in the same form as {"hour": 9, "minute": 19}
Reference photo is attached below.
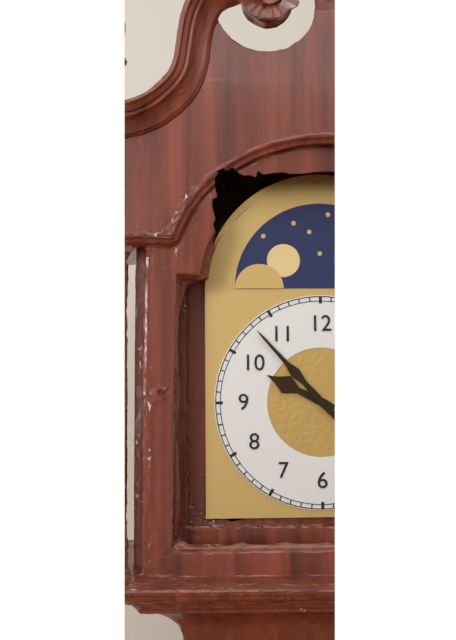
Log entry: {"hour": 9, "minute": 53}
